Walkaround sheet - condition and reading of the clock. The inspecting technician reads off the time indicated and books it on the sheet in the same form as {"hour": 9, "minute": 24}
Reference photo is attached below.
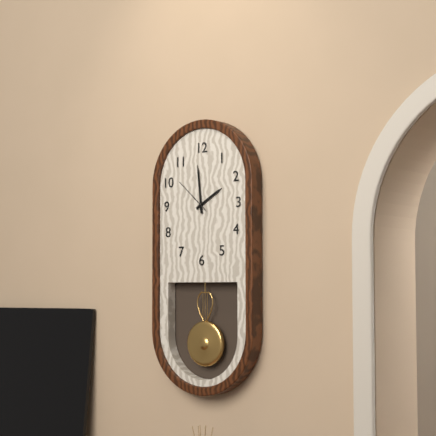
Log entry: {"hour": 1, "minute": 59}
